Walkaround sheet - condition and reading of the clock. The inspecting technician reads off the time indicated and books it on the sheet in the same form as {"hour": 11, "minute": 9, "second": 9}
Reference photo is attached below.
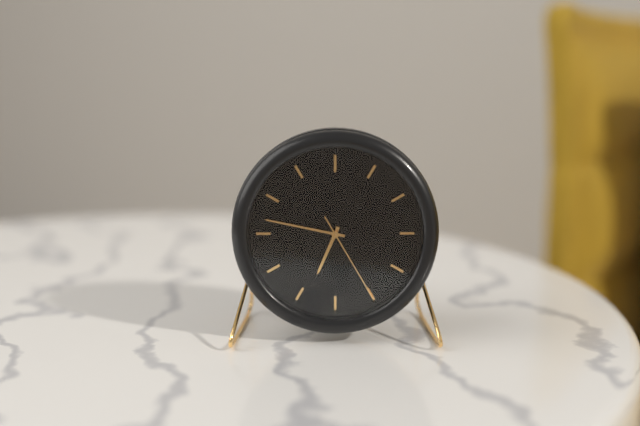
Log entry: {"hour": 6, "minute": 47, "second": 25}
